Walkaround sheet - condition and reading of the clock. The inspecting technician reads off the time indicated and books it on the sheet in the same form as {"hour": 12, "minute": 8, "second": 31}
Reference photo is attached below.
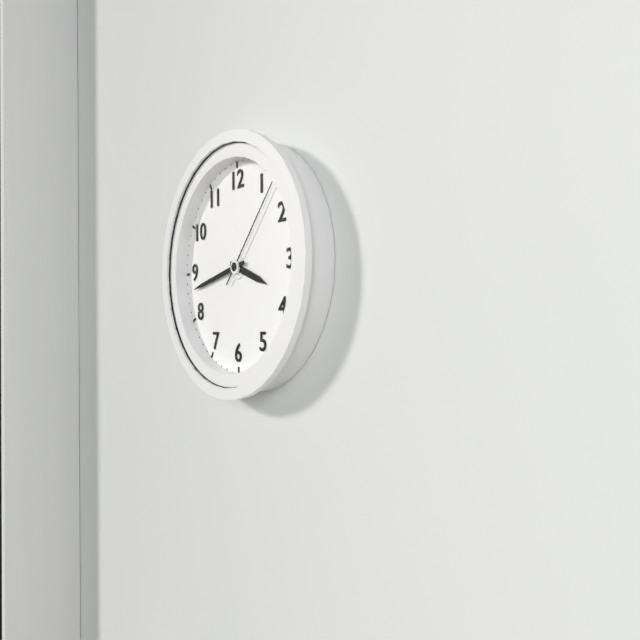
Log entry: {"hour": 3, "minute": 43, "second": 7}
